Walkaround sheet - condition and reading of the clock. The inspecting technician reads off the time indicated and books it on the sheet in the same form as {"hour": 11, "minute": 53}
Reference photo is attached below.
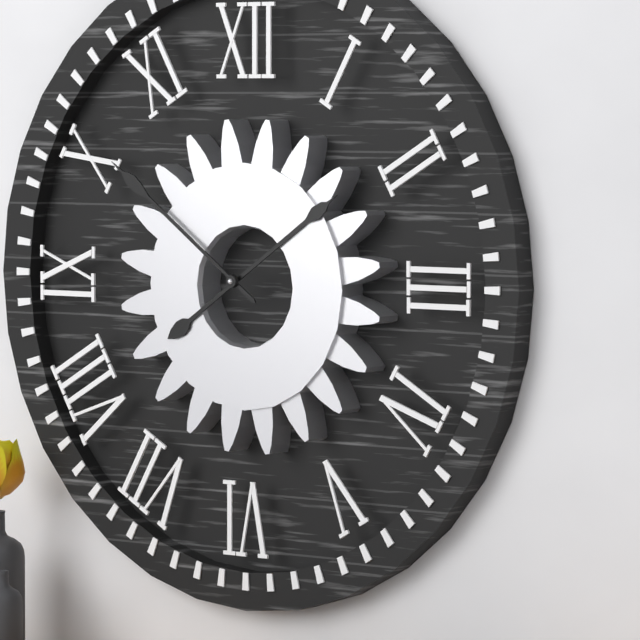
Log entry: {"hour": 1, "minute": 51}
